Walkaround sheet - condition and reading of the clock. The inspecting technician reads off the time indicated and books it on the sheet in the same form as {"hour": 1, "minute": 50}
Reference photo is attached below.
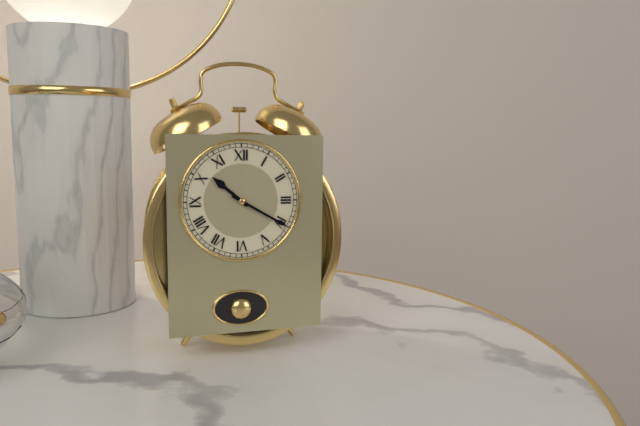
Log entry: {"hour": 10, "minute": 20}
